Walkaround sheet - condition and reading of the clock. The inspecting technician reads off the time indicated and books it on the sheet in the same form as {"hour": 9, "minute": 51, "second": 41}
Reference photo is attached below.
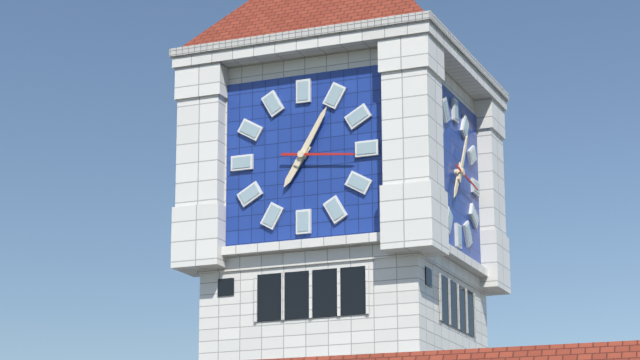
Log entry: {"hour": 7, "minute": 5, "second": 16}
